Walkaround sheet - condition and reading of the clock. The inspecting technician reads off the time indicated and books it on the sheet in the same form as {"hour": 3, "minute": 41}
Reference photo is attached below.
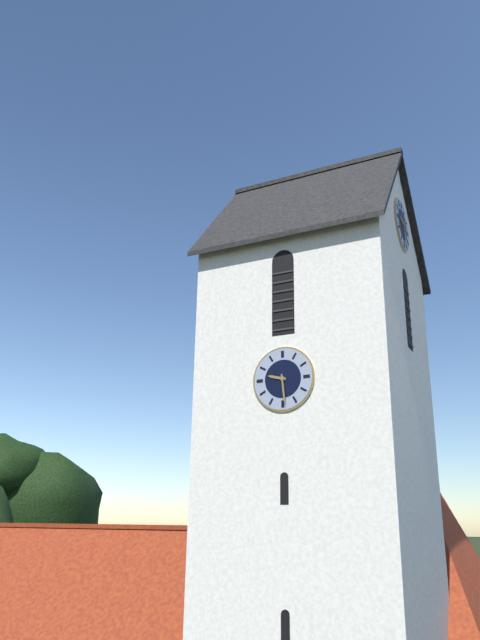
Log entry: {"hour": 9, "minute": 29}
